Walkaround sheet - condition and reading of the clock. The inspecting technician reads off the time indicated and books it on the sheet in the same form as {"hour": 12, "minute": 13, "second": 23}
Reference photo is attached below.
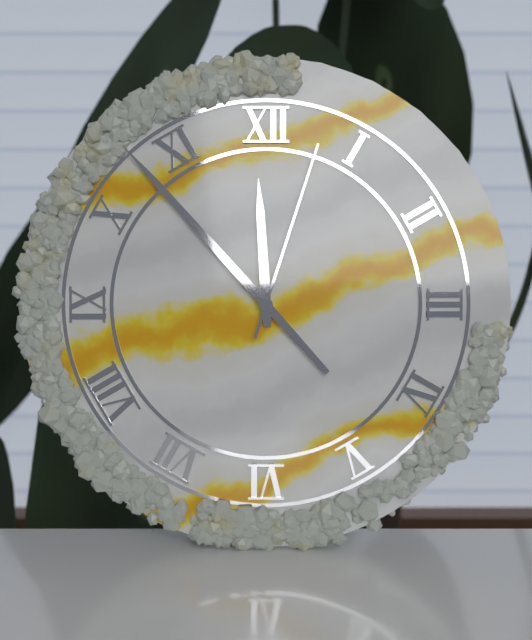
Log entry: {"hour": 11, "minute": 53, "second": 3}
